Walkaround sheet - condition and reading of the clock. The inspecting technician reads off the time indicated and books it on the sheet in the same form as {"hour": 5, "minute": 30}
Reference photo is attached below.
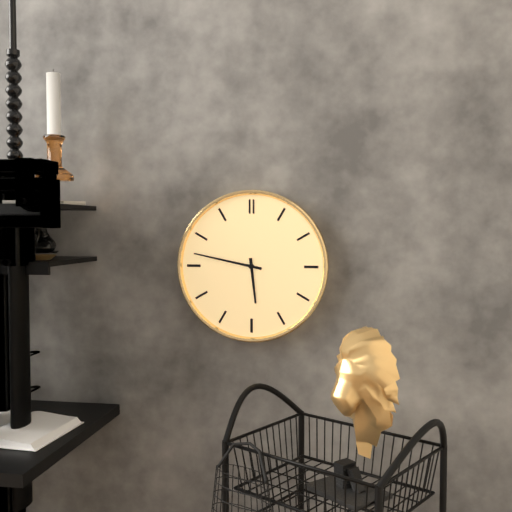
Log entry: {"hour": 5, "minute": 47}
